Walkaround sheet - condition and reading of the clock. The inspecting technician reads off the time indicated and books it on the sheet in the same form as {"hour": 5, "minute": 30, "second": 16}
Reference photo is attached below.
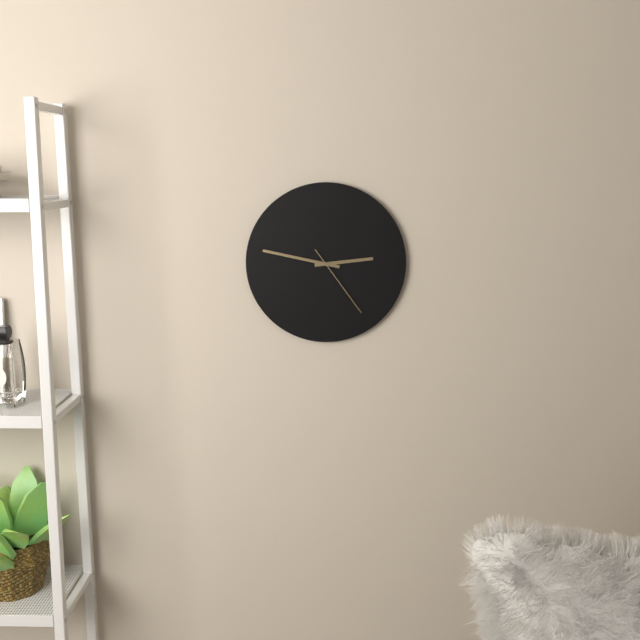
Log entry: {"hour": 2, "minute": 47, "second": 24}
